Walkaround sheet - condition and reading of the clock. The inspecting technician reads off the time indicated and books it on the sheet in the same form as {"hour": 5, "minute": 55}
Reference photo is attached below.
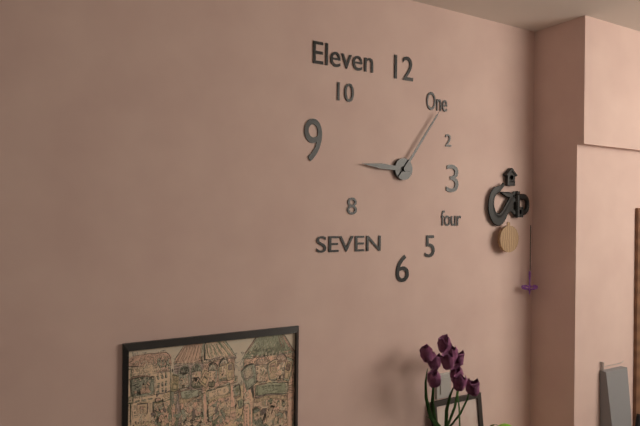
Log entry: {"hour": 9, "minute": 6}
